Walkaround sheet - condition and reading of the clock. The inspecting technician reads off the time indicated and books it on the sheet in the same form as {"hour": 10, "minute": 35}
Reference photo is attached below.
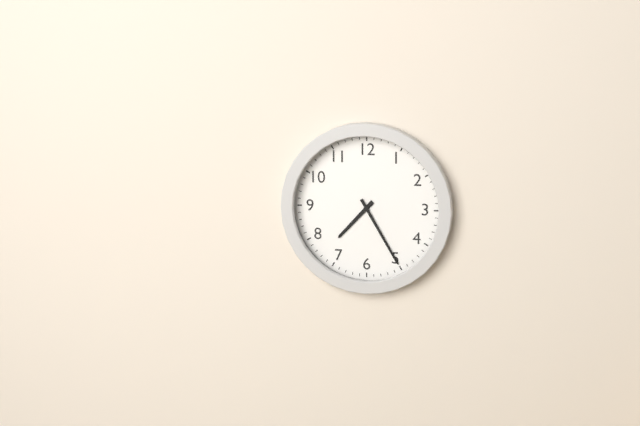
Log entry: {"hour": 7, "minute": 25}
